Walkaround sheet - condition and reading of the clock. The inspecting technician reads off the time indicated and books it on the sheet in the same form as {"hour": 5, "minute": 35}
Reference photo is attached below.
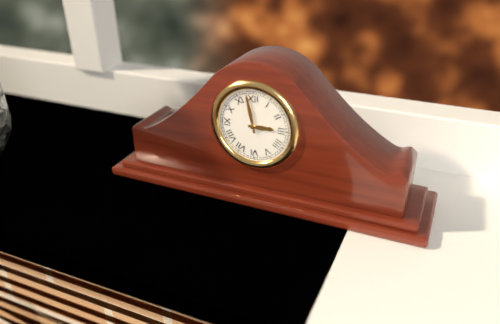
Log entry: {"hour": 2, "minute": 58}
